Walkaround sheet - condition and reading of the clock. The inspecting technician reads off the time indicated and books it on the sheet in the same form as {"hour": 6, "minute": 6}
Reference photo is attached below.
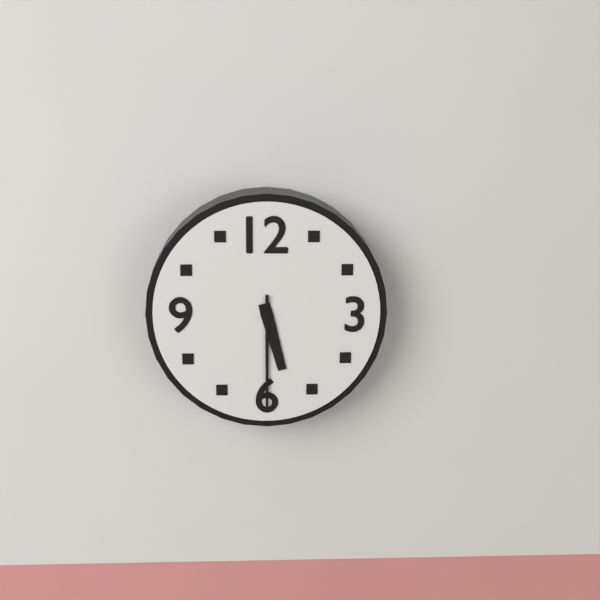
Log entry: {"hour": 5, "minute": 30}
